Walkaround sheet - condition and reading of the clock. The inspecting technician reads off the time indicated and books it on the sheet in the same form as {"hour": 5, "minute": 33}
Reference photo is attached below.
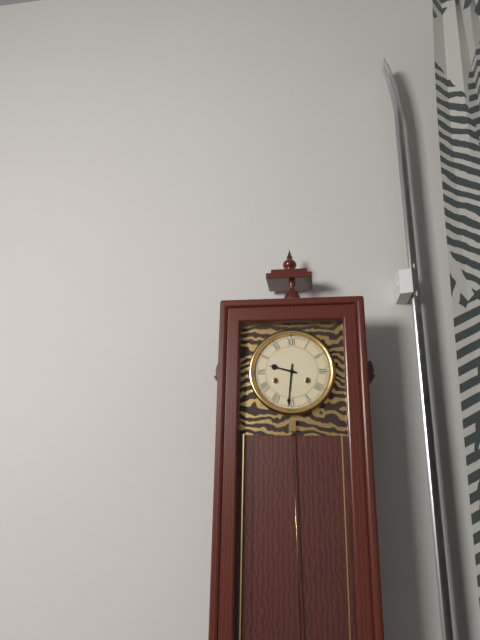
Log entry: {"hour": 9, "minute": 31}
